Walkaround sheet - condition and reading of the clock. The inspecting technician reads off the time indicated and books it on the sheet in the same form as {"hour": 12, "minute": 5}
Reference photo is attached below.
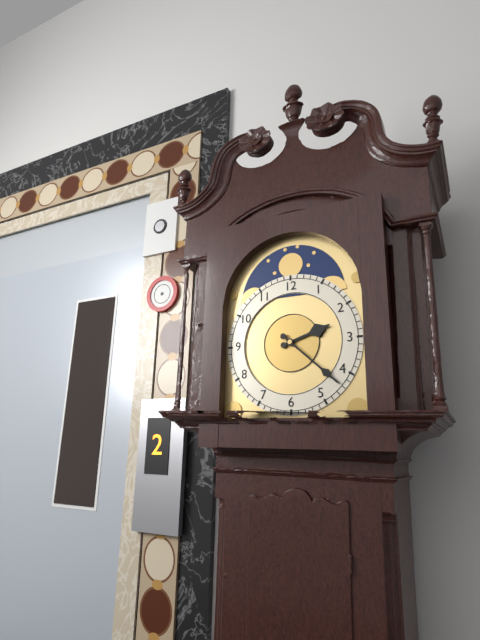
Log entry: {"hour": 2, "minute": 22}
